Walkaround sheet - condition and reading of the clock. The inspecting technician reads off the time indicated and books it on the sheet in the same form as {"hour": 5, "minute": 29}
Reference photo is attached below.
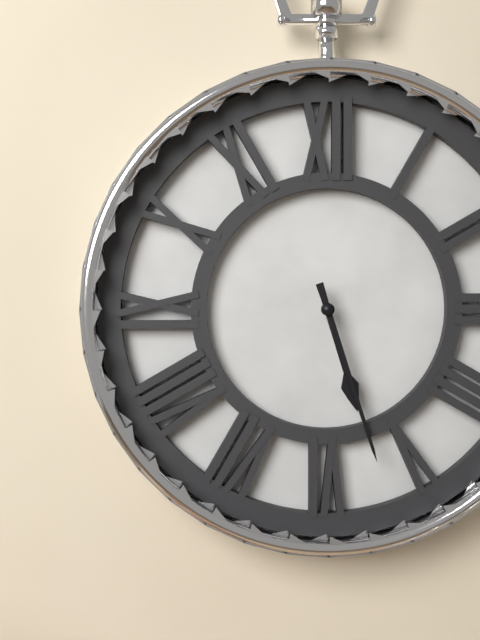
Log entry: {"hour": 5, "minute": 27}
